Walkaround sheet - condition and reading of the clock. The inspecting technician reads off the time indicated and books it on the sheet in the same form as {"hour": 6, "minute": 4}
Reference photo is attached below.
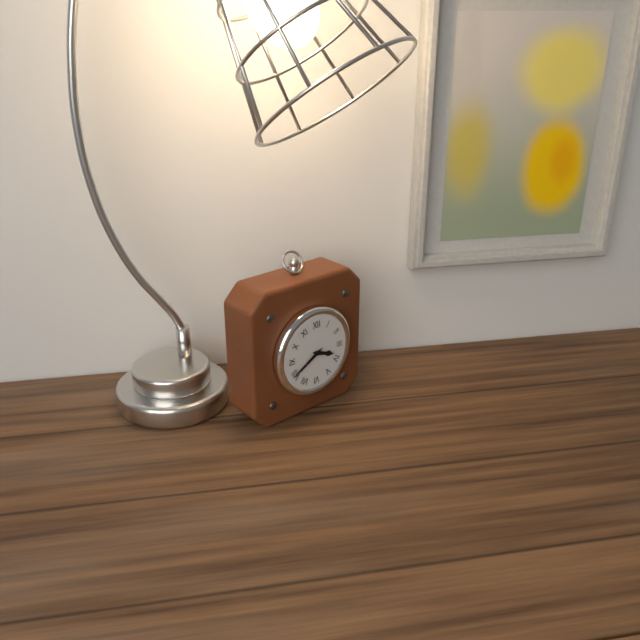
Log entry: {"hour": 3, "minute": 40}
